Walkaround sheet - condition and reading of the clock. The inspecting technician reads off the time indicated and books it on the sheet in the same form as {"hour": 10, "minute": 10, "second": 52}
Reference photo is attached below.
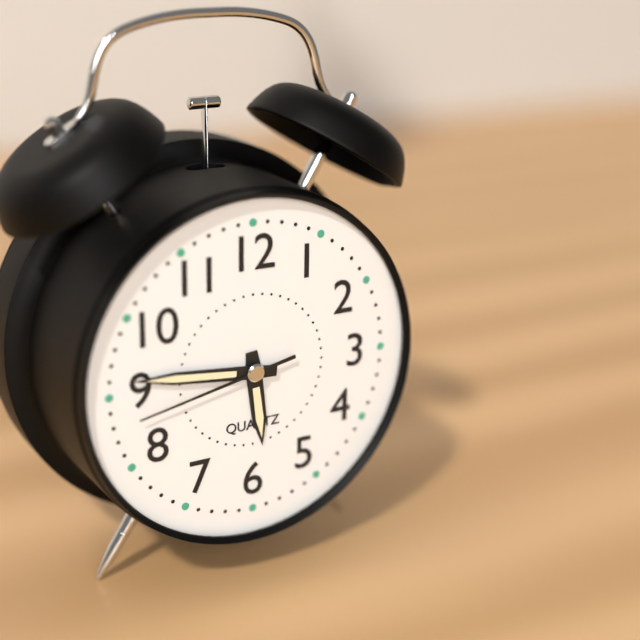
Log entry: {"hour": 5, "minute": 46, "second": 43}
